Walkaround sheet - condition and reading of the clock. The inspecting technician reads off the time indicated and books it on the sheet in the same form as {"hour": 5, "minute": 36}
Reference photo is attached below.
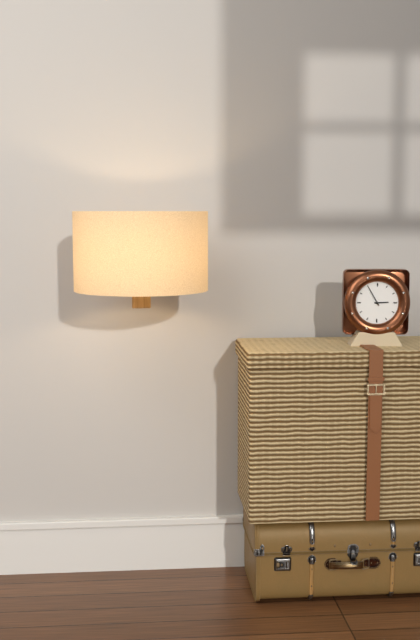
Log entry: {"hour": 2, "minute": 55}
